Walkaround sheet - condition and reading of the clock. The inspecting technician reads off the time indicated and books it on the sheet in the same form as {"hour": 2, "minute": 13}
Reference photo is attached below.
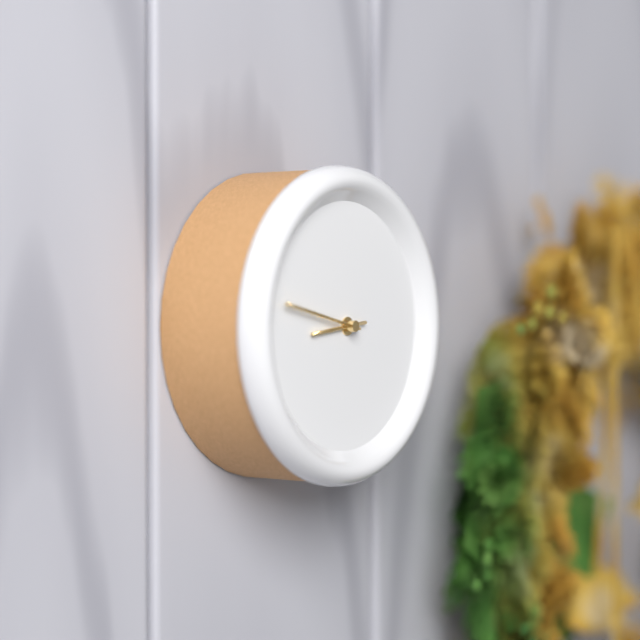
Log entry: {"hour": 8, "minute": 47}
